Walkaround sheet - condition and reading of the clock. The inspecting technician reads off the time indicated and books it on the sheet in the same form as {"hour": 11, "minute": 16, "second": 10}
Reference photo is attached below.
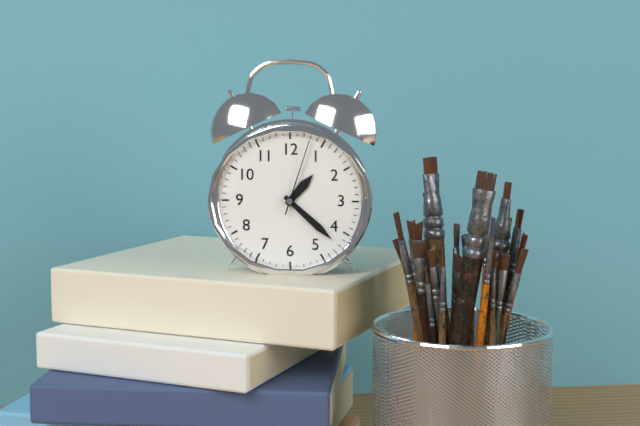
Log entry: {"hour": 1, "minute": 22, "second": 3}
